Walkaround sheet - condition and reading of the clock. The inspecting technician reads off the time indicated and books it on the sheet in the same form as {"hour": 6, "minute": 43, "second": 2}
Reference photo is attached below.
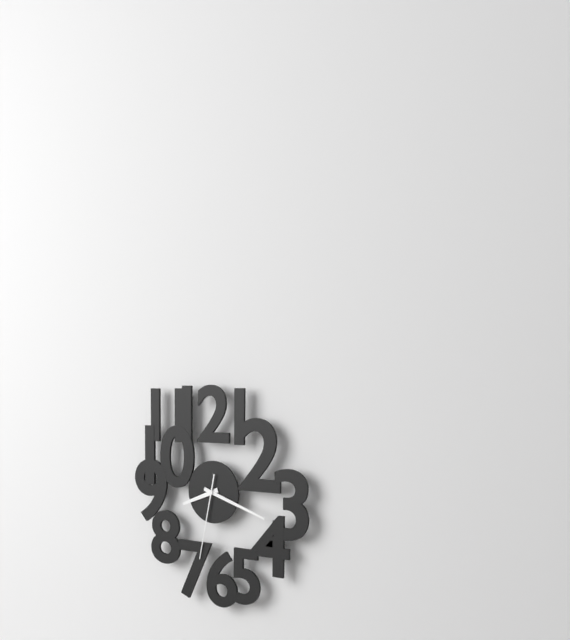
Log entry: {"hour": 8, "minute": 18, "second": 32}
